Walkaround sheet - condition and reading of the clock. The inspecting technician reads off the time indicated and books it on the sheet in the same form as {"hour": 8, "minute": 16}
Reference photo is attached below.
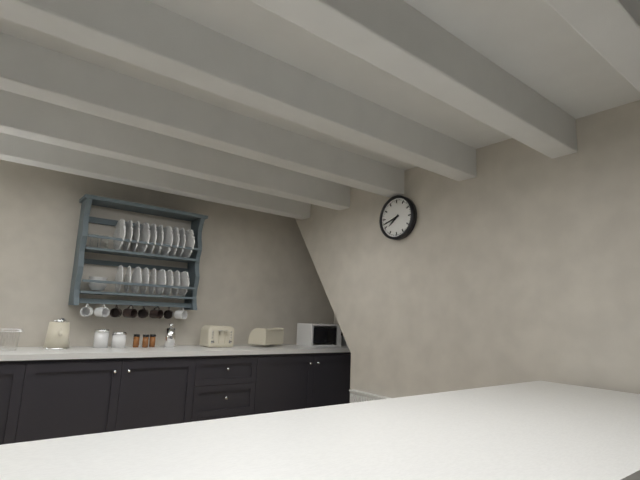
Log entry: {"hour": 7, "minute": 42}
